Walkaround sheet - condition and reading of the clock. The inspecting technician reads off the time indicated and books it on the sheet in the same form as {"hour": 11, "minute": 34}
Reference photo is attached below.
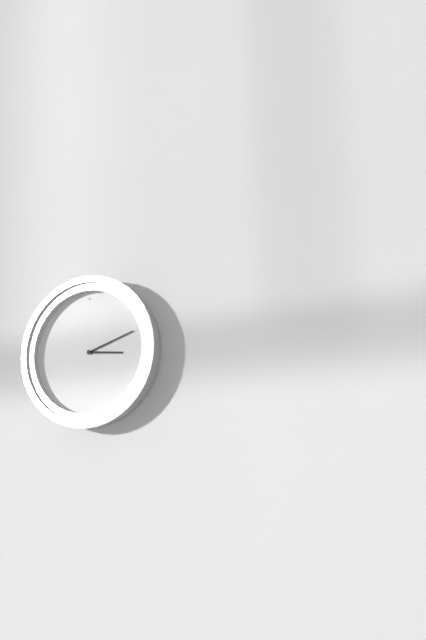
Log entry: {"hour": 3, "minute": 12}
